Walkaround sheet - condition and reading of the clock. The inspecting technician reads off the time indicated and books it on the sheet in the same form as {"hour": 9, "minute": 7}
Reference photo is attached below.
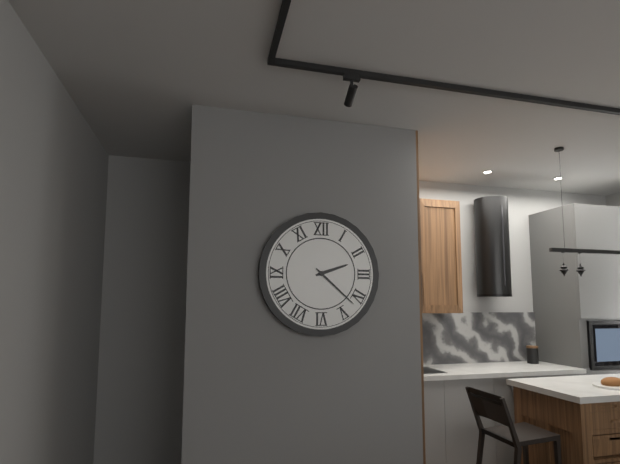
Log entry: {"hour": 2, "minute": 22}
